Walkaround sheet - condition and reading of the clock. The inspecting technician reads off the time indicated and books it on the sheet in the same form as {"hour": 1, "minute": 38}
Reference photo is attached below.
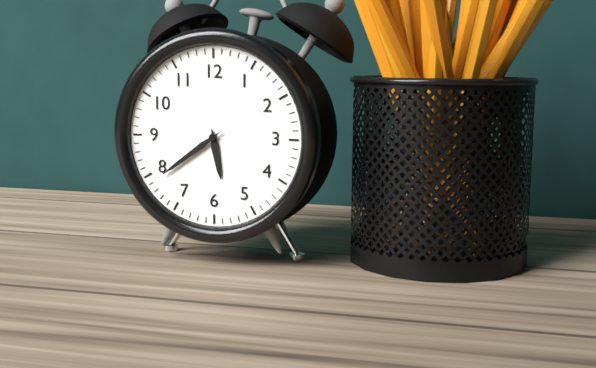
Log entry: {"hour": 5, "minute": 39}
